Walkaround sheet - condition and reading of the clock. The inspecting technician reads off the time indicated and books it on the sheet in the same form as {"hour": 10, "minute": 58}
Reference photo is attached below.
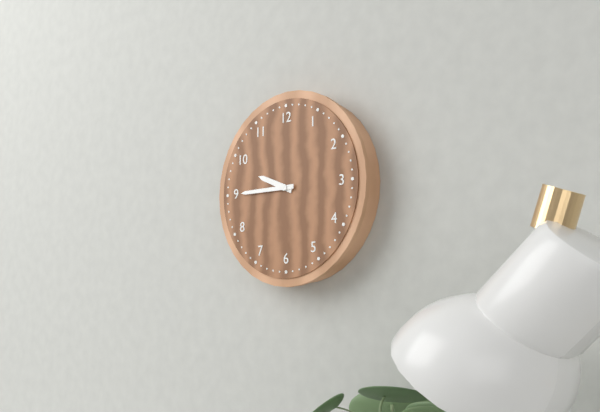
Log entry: {"hour": 9, "minute": 45}
